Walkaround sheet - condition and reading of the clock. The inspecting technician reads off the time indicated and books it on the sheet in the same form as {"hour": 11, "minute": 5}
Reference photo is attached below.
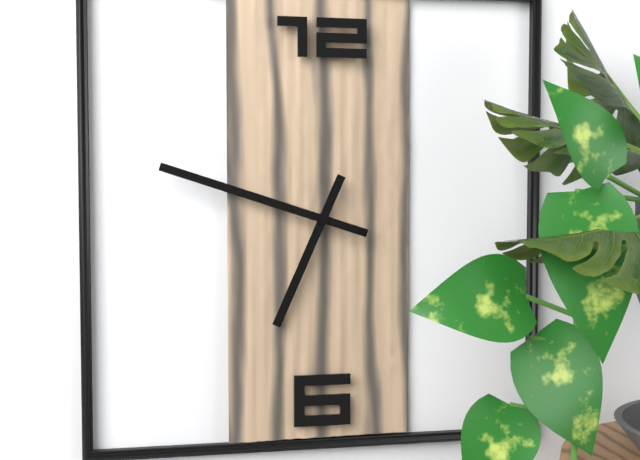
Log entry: {"hour": 6, "minute": 48}
